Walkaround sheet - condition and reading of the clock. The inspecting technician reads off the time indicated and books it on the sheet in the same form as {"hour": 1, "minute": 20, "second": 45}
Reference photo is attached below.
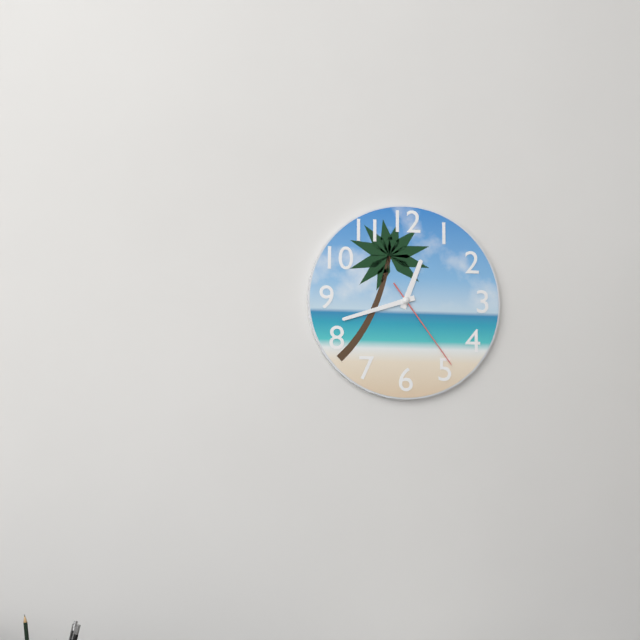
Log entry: {"hour": 12, "minute": 42, "second": 24}
